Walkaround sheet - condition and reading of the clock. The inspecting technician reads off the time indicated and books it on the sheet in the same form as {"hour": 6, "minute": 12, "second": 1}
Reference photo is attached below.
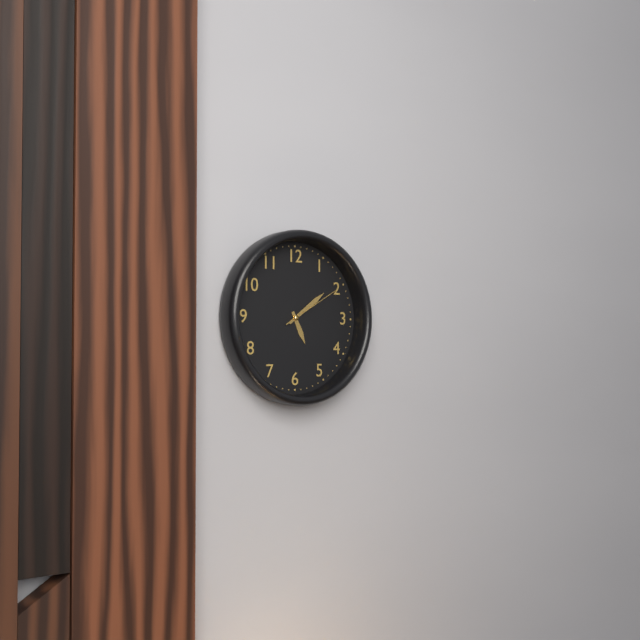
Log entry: {"hour": 5, "minute": 9, "second": 10}
